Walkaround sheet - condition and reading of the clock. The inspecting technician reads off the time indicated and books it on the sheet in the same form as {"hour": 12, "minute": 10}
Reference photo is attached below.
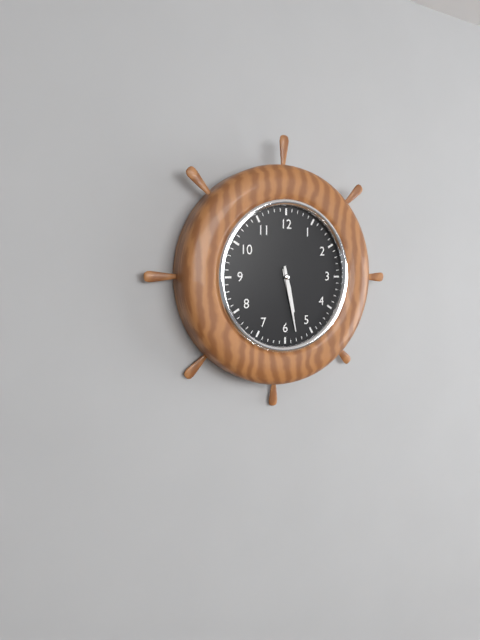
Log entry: {"hour": 5, "minute": 28}
